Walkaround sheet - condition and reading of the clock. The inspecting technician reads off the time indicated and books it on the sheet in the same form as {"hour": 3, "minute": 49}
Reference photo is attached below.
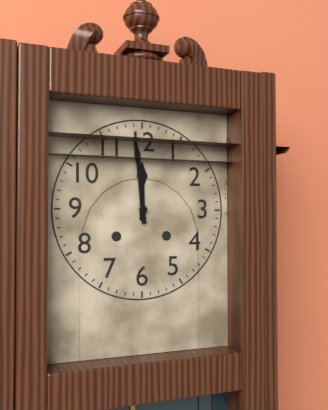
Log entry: {"hour": 11, "minute": 59}
